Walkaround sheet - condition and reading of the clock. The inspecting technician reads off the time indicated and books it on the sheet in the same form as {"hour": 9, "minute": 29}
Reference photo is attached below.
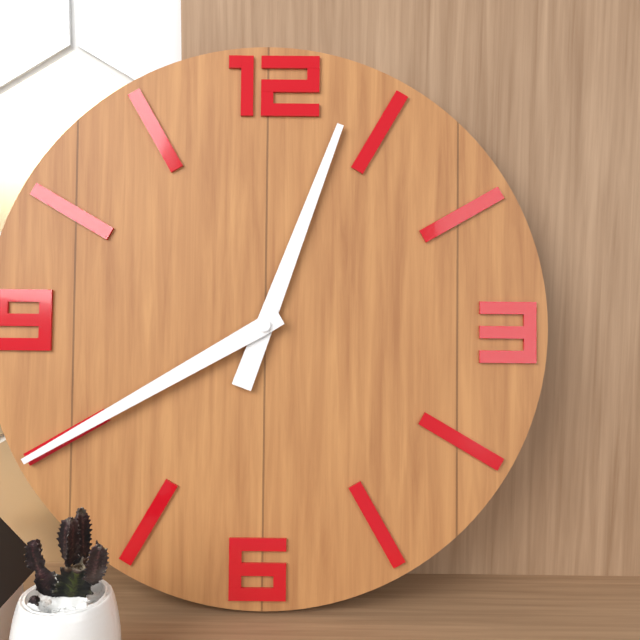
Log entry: {"hour": 12, "minute": 40}
